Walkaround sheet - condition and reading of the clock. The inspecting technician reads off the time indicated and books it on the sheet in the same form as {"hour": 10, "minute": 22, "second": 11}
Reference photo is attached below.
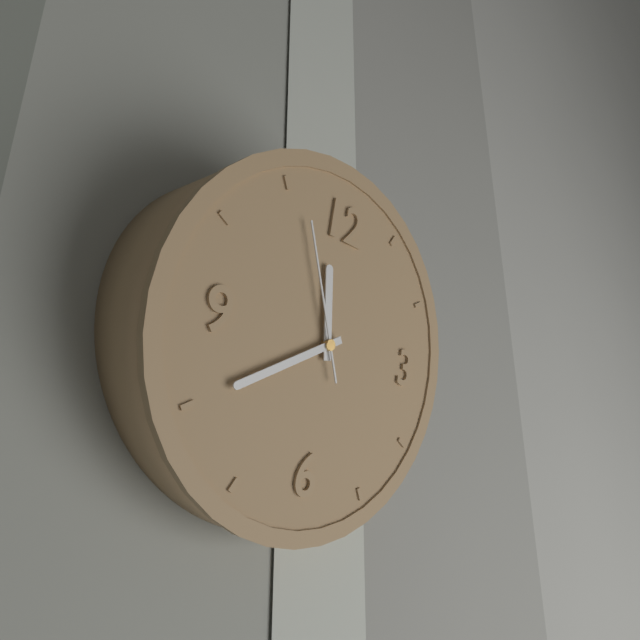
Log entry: {"hour": 11, "minute": 40, "second": 56}
